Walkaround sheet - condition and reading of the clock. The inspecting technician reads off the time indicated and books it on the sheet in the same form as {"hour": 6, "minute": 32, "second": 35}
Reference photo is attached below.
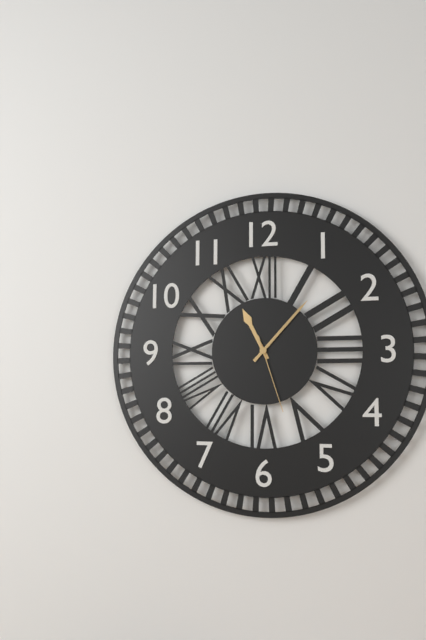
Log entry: {"hour": 11, "minute": 7, "second": 27}
